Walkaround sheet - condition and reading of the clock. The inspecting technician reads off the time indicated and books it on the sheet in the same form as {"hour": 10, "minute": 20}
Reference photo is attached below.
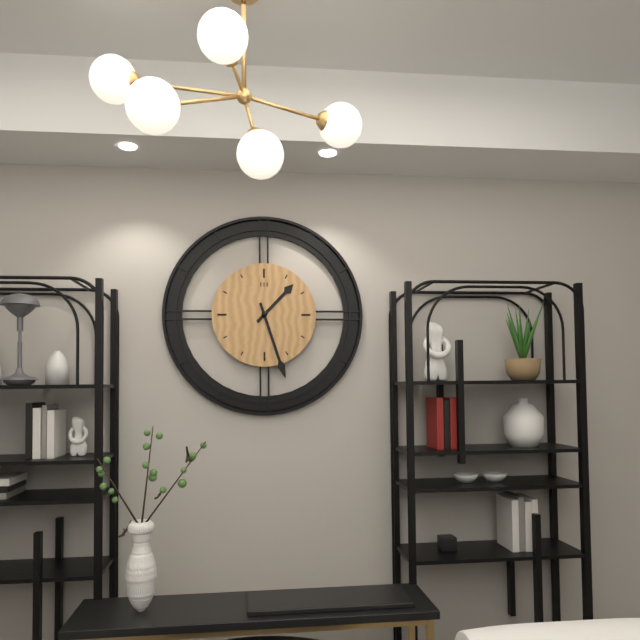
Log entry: {"hour": 1, "minute": 27}
